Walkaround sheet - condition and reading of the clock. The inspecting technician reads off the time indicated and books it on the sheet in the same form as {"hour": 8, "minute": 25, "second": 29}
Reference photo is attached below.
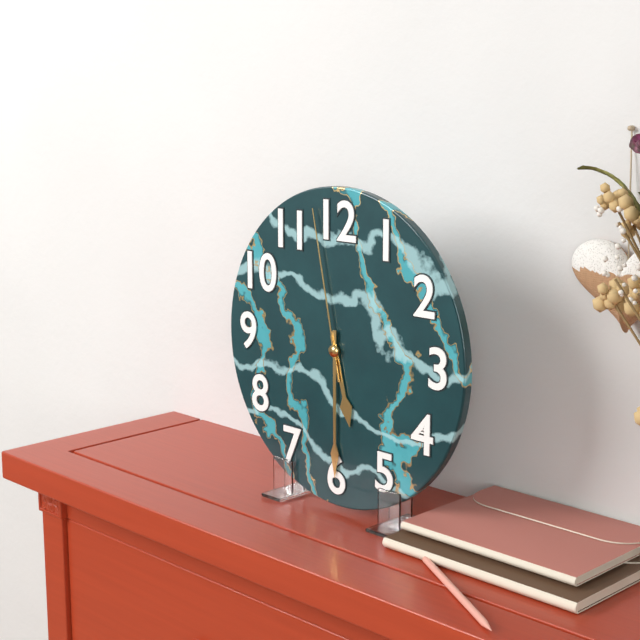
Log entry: {"hour": 5, "minute": 30, "second": 58}
